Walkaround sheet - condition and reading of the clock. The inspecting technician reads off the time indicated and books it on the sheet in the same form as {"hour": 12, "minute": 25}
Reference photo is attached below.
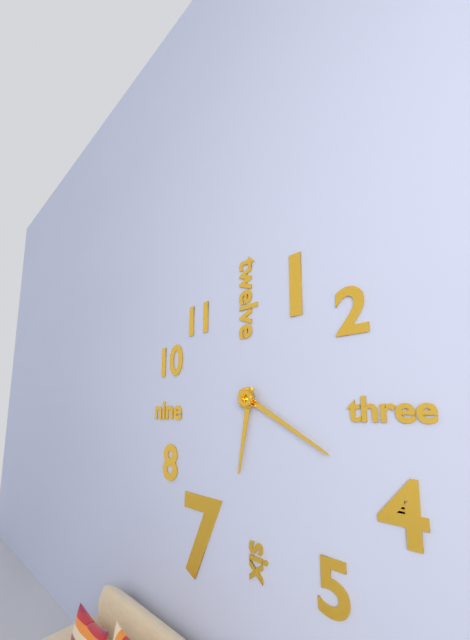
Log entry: {"hour": 6, "minute": 20}
